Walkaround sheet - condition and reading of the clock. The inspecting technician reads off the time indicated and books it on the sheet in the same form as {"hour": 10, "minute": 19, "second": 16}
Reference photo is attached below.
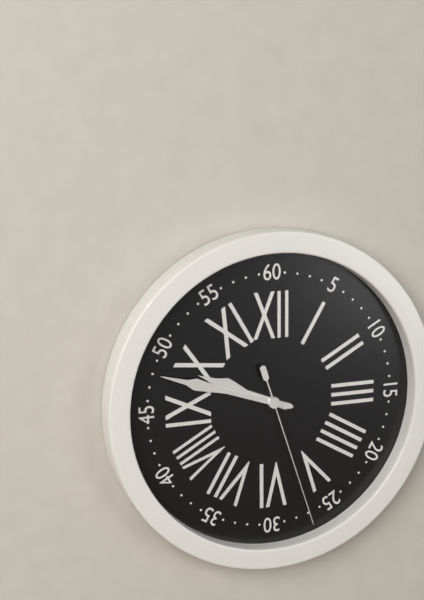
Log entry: {"hour": 9, "minute": 48, "second": 27}
